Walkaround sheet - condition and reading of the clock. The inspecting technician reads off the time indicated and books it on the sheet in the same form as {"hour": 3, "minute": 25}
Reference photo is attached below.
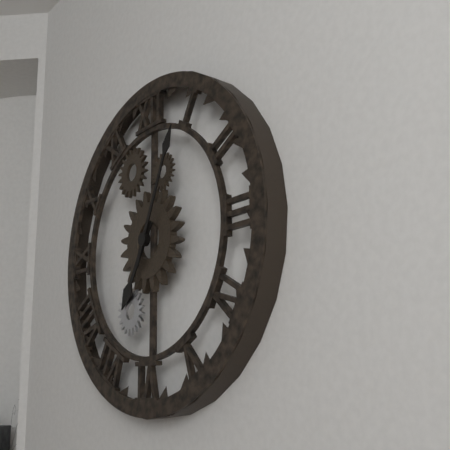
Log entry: {"hour": 7, "minute": 4}
